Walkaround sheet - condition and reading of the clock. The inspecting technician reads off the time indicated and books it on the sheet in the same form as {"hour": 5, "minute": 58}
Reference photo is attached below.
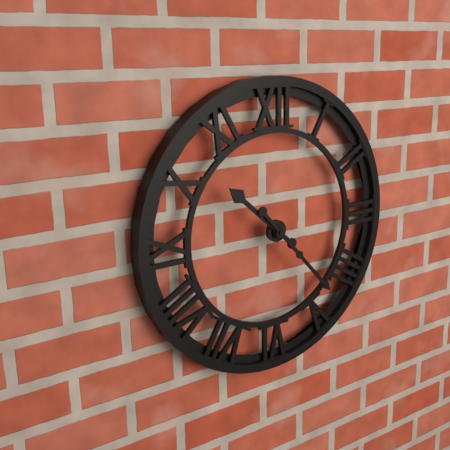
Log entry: {"hour": 10, "minute": 23}
